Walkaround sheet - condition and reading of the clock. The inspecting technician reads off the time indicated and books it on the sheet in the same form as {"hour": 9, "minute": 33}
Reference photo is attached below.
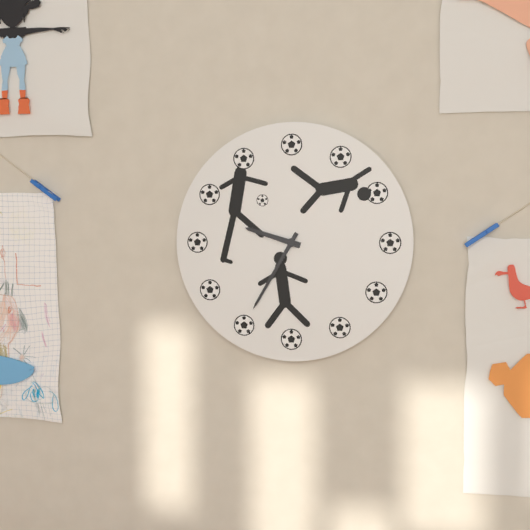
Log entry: {"hour": 9, "minute": 35}
